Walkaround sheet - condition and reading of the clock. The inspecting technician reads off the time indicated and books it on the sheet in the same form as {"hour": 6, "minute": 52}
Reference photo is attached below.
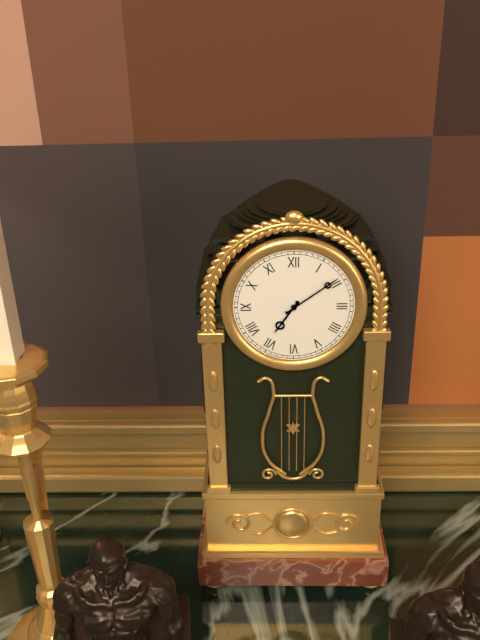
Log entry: {"hour": 7, "minute": 9}
